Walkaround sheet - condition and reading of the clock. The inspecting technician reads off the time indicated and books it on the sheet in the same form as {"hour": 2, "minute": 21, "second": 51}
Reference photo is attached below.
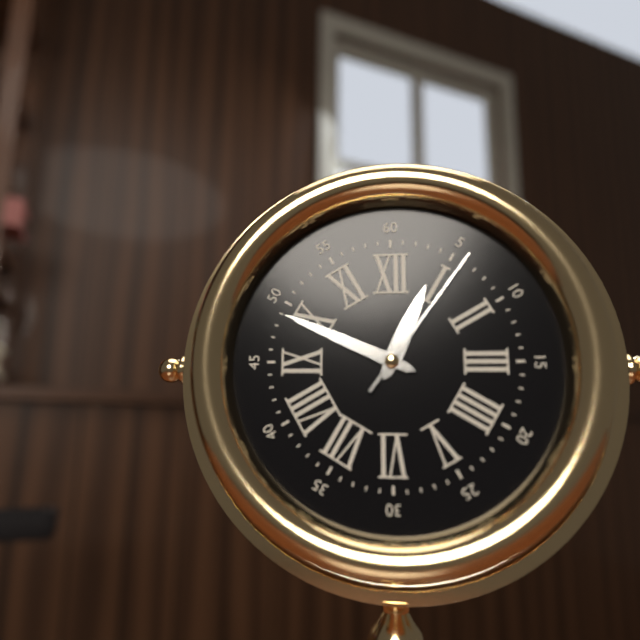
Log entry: {"hour": 12, "minute": 49, "second": 6}
